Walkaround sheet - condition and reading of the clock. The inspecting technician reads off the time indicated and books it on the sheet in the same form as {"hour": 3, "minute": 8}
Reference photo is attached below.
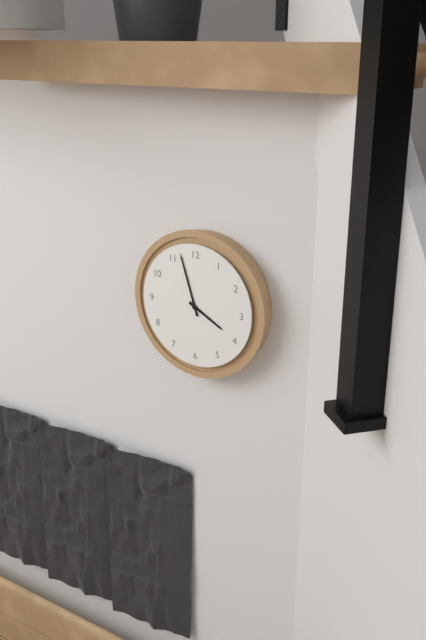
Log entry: {"hour": 3, "minute": 57}
